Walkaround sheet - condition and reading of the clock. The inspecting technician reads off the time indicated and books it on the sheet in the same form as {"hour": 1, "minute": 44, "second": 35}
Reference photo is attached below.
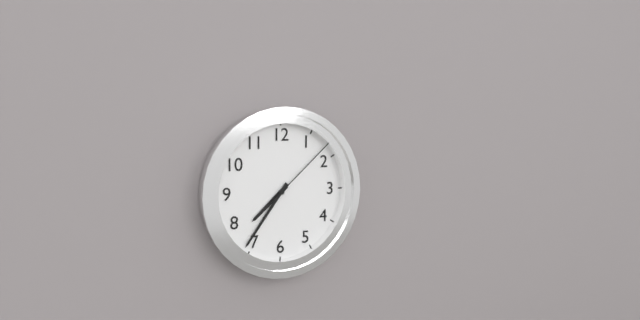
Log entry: {"hour": 7, "minute": 36, "second": 8}
